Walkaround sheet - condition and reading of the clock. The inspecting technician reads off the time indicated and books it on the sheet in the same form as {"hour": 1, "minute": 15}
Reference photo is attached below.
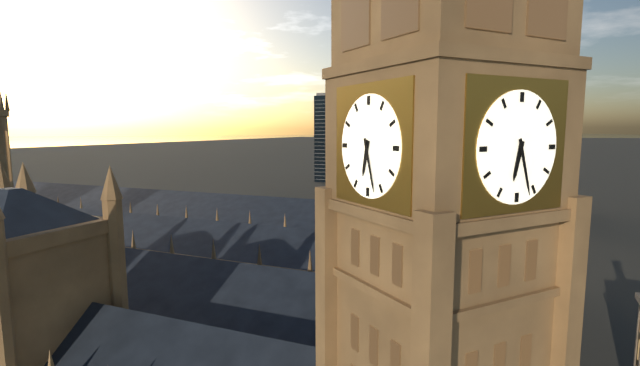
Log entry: {"hour": 6, "minute": 27}
